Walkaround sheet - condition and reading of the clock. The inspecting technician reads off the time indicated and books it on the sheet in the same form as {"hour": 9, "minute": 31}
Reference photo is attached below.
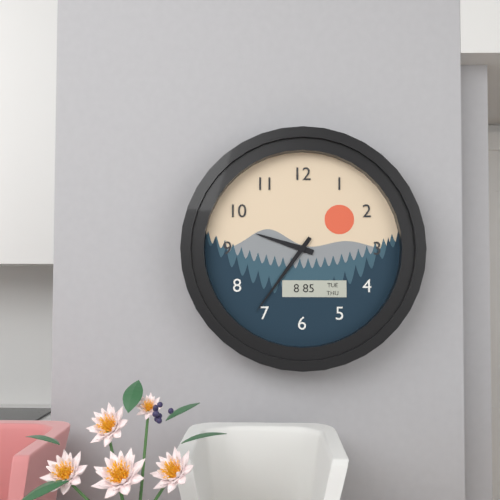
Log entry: {"hour": 9, "minute": 36}
